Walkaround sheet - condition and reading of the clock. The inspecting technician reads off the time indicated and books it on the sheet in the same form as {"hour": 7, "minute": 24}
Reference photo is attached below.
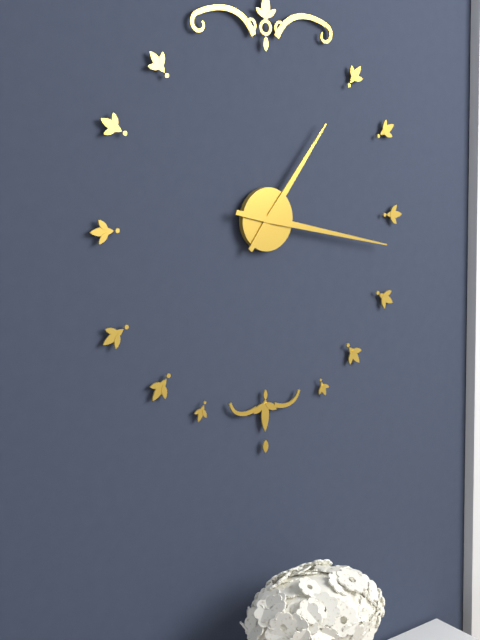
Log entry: {"hour": 1, "minute": 17}
